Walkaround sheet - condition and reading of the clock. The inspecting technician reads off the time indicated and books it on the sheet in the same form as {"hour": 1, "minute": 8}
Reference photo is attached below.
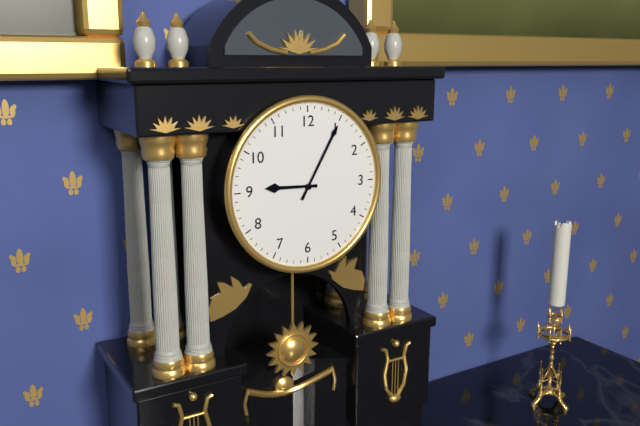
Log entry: {"hour": 9, "minute": 5}
